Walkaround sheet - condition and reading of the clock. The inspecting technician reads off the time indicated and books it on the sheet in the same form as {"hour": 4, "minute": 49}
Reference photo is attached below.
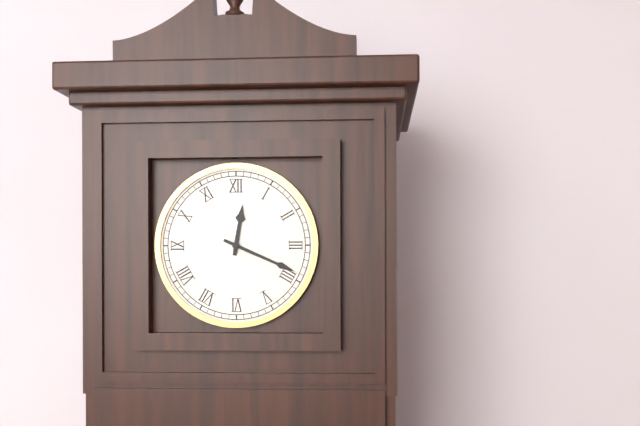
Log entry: {"hour": 12, "minute": 19}
